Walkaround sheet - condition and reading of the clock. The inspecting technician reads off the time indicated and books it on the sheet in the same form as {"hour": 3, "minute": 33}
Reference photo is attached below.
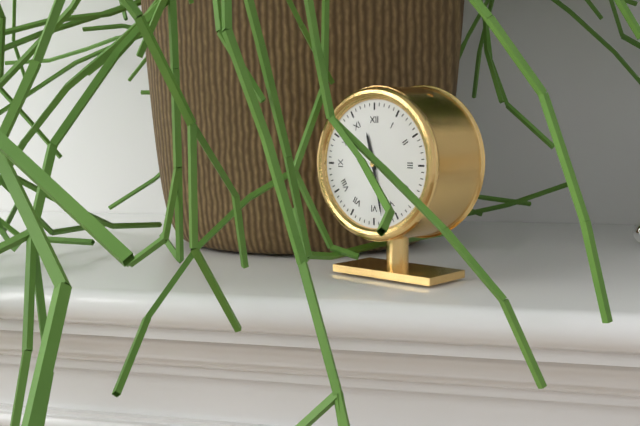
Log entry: {"hour": 11, "minute": 28}
